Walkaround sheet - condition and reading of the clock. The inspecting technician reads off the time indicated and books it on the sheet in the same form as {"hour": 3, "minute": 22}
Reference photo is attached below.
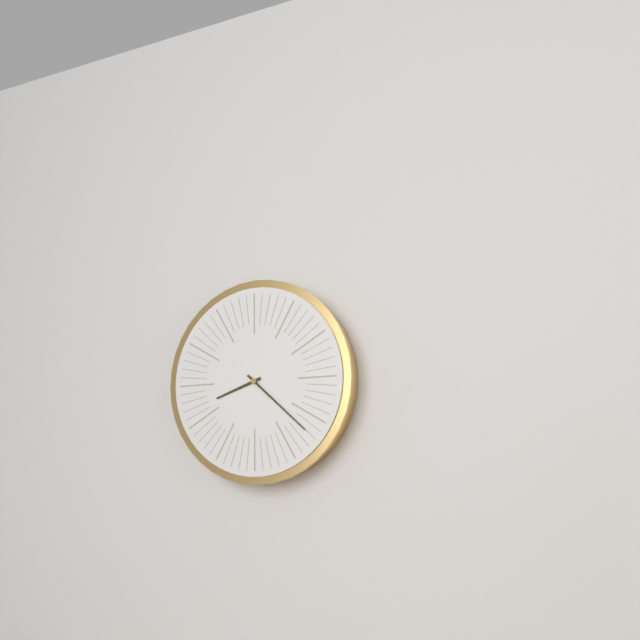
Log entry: {"hour": 8, "minute": 22}
